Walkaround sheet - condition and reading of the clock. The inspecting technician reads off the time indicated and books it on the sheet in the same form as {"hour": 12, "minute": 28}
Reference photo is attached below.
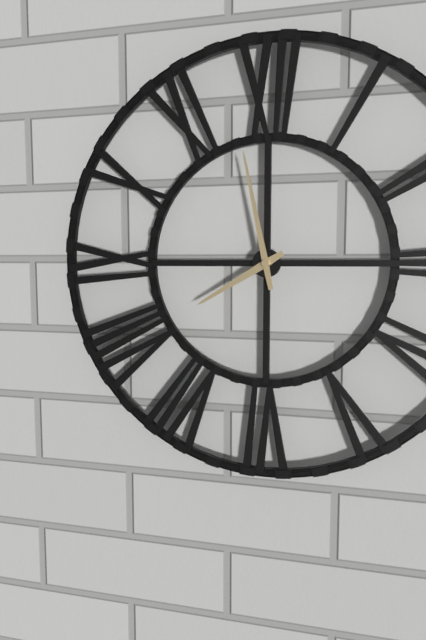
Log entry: {"hour": 7, "minute": 58}
